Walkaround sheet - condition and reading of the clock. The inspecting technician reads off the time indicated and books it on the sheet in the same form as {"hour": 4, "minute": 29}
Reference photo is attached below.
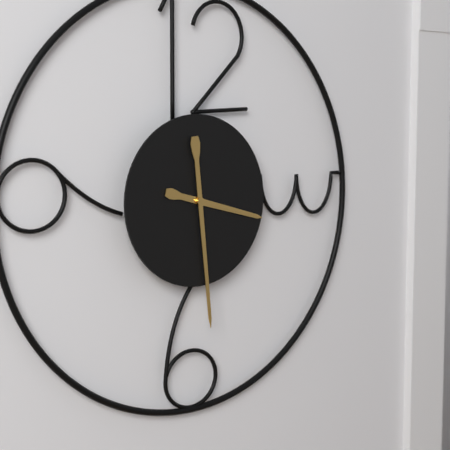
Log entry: {"hour": 3, "minute": 29}
